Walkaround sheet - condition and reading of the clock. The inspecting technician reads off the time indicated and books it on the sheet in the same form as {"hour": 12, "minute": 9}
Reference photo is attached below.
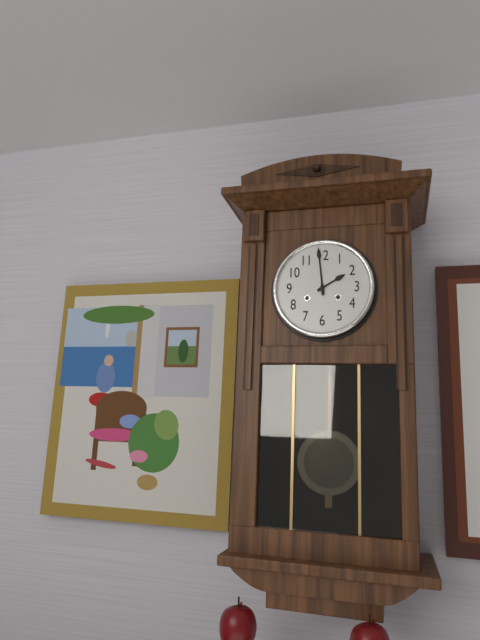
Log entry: {"hour": 1, "minute": 59}
